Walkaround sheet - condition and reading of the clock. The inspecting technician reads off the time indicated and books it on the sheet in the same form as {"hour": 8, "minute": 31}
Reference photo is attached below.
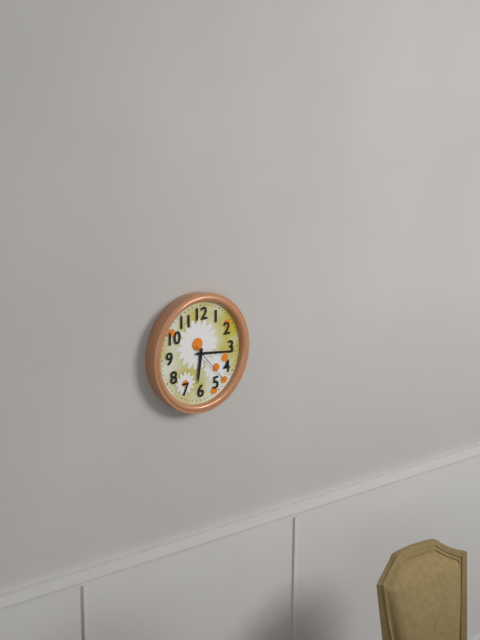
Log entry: {"hour": 6, "minute": 16}
